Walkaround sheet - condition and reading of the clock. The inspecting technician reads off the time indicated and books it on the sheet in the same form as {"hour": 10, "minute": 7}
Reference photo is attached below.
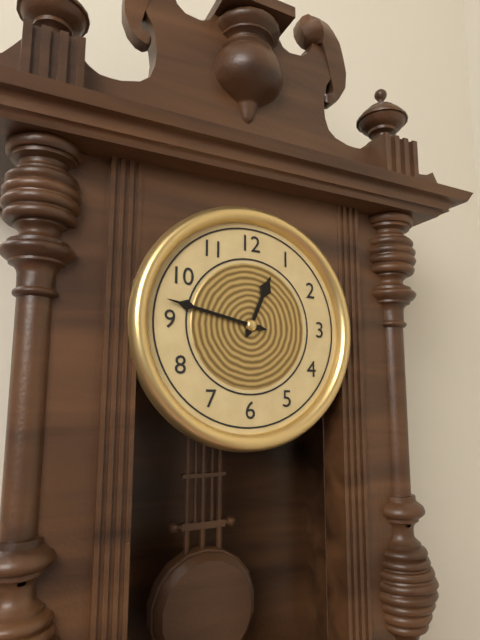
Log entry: {"hour": 12, "minute": 47}
